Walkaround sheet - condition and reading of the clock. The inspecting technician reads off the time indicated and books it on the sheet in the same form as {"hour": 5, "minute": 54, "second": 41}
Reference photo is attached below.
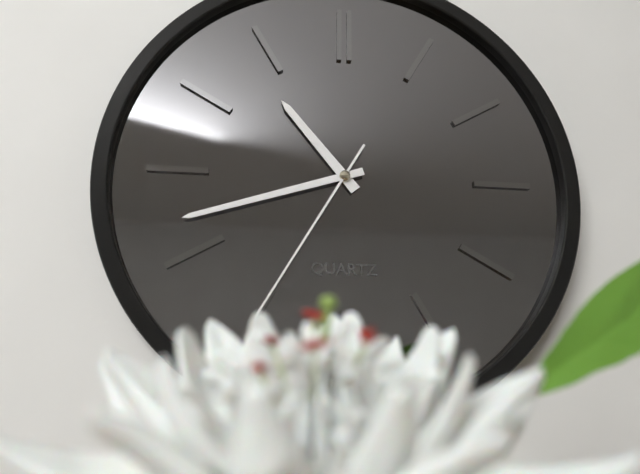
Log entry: {"hour": 10, "minute": 42, "second": 35}
